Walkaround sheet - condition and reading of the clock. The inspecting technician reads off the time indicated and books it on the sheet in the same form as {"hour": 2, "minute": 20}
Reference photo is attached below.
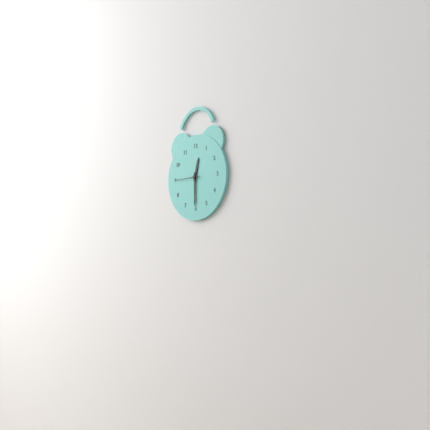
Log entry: {"hour": 12, "minute": 30}
